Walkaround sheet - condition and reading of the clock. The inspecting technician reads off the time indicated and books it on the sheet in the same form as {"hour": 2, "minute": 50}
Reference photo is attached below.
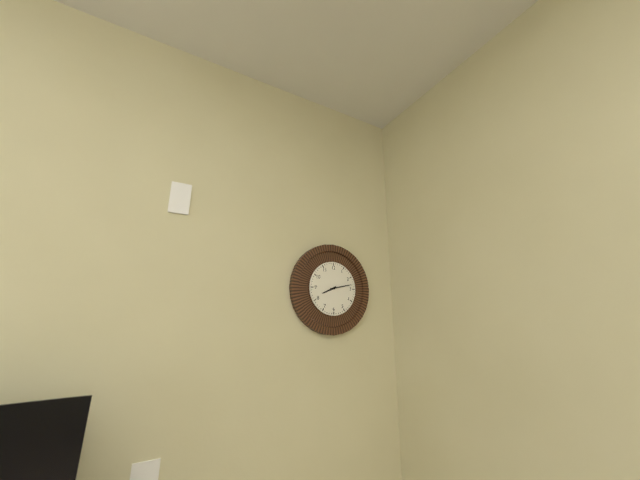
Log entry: {"hour": 8, "minute": 13}
